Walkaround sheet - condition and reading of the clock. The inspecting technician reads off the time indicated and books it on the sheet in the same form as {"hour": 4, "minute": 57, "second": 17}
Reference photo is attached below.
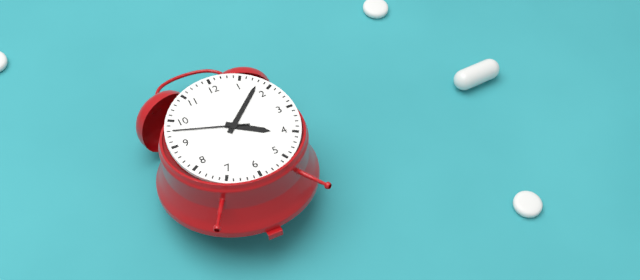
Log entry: {"hour": 4, "minute": 8, "second": 48}
